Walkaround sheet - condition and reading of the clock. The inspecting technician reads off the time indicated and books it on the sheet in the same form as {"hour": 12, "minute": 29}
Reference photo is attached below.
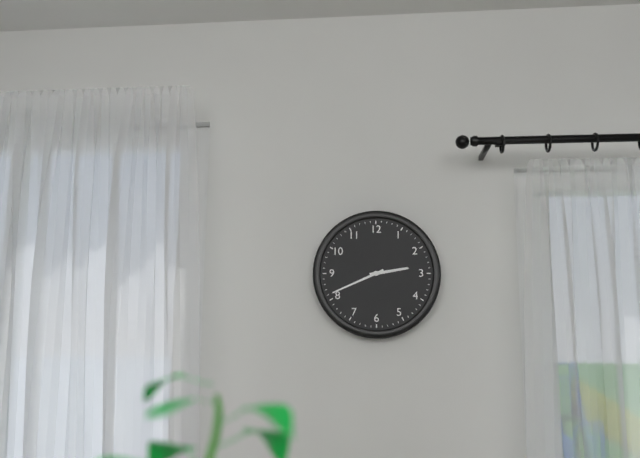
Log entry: {"hour": 2, "minute": 41}
